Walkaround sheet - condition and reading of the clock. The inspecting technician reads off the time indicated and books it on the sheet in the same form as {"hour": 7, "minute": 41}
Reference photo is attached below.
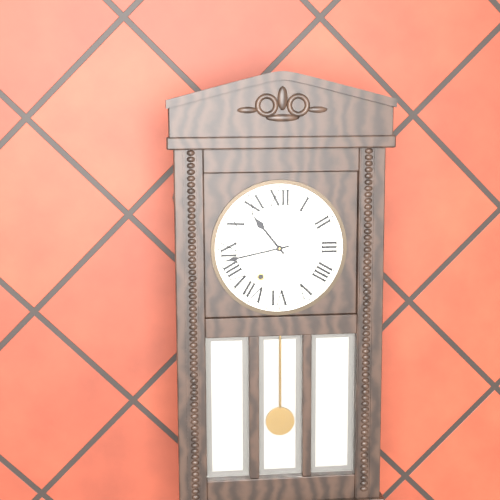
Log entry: {"hour": 10, "minute": 43}
